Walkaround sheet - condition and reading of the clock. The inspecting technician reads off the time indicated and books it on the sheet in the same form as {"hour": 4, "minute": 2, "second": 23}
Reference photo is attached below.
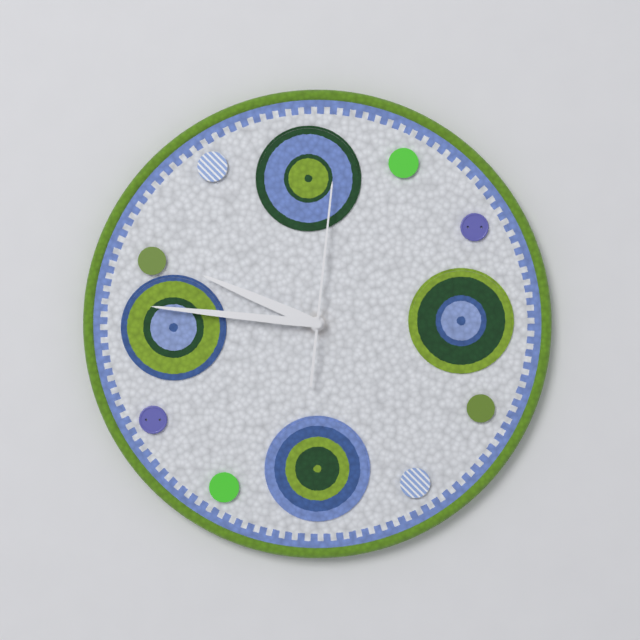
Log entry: {"hour": 9, "minute": 46, "second": 1}
